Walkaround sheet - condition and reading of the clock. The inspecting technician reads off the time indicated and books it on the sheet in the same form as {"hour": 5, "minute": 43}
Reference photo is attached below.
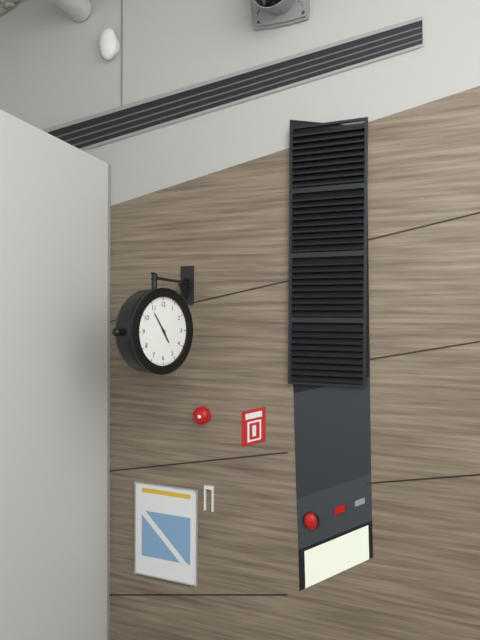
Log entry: {"hour": 4, "minute": 54}
